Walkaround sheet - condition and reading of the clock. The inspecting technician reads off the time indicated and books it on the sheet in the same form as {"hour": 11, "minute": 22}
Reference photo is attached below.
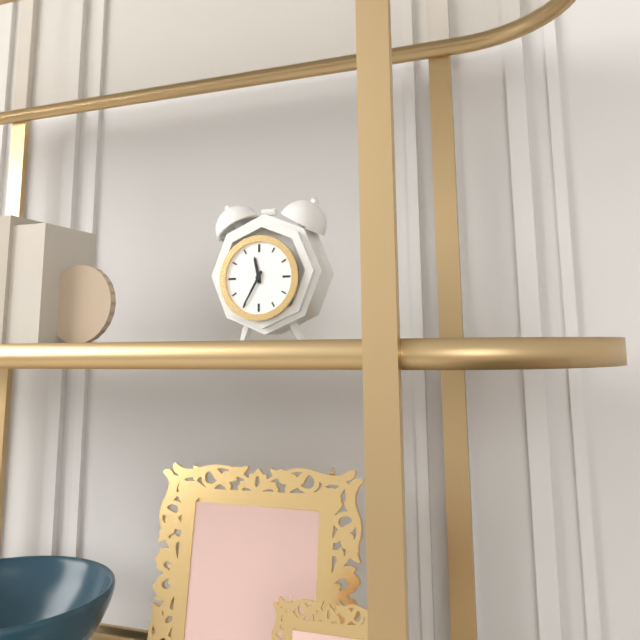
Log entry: {"hour": 11, "minute": 35}
